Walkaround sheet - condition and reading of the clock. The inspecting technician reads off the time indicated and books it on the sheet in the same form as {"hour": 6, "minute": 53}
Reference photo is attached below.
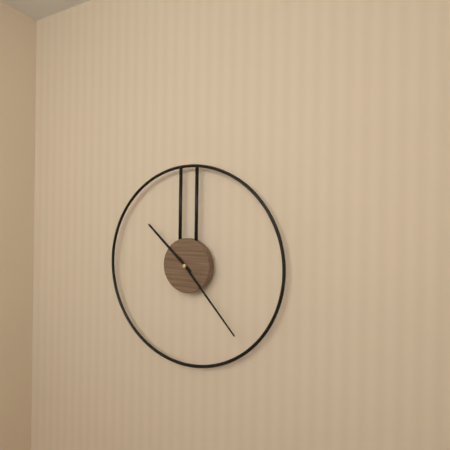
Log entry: {"hour": 10, "minute": 23}
